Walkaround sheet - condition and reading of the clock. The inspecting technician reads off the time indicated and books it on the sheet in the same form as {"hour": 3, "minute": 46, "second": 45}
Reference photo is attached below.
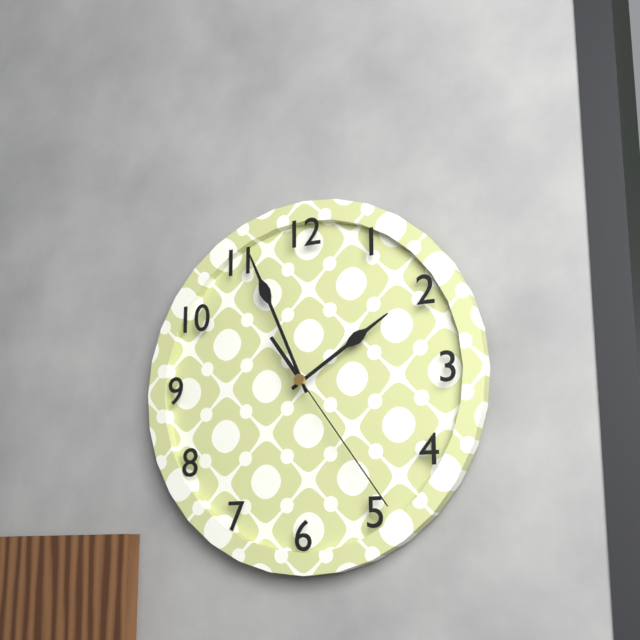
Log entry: {"hour": 1, "minute": 56, "second": 24}
